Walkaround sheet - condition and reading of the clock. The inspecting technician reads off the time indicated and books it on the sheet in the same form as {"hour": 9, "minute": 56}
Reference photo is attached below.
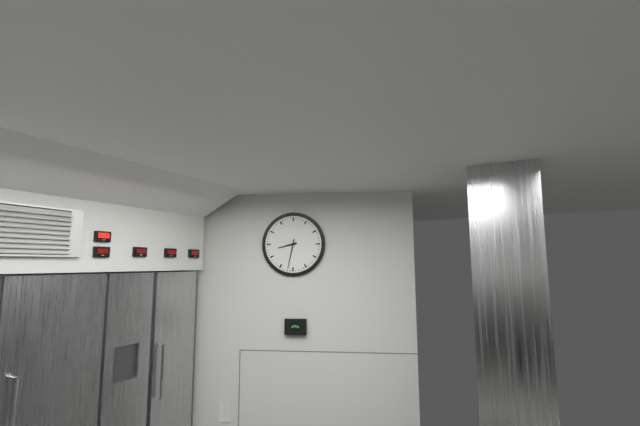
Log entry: {"hour": 8, "minute": 32}
